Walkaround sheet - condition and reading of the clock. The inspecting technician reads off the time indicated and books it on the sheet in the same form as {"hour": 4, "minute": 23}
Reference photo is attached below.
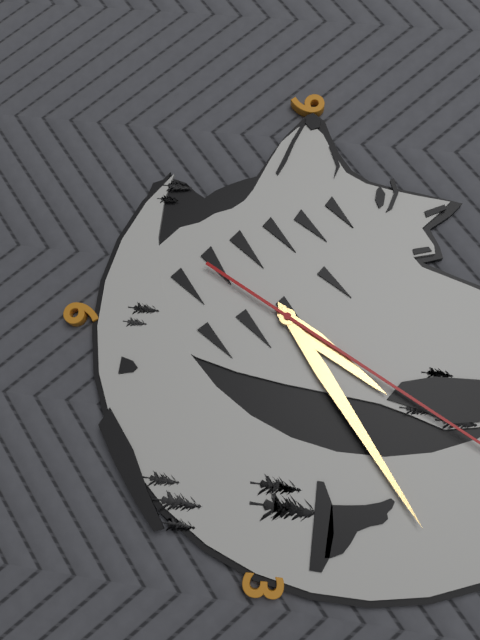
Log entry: {"hour": 1, "minute": 9}
